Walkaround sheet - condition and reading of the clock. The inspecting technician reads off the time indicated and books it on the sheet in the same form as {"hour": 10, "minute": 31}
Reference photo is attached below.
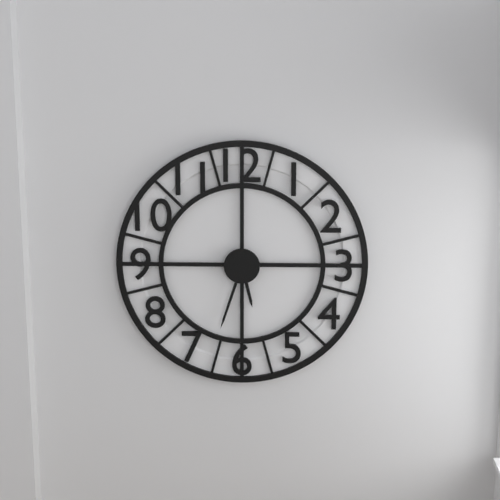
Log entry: {"hour": 5, "minute": 33}
